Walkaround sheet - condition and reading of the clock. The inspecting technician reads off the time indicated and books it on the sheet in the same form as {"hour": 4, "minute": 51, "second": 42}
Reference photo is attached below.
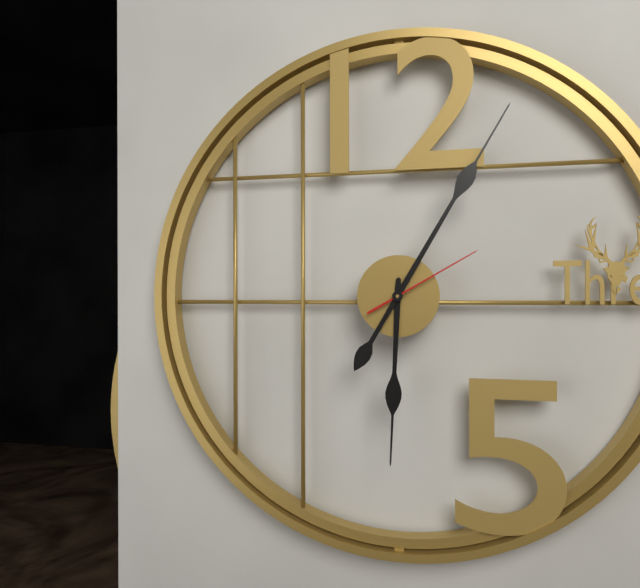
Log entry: {"hour": 6, "minute": 5, "second": 10}
